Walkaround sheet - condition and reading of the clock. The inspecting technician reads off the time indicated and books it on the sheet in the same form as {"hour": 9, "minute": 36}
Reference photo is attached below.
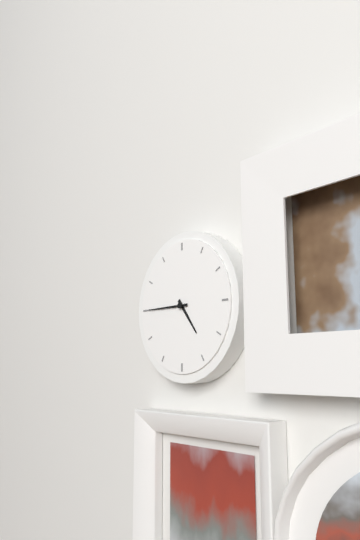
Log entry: {"hour": 4, "minute": 45}
